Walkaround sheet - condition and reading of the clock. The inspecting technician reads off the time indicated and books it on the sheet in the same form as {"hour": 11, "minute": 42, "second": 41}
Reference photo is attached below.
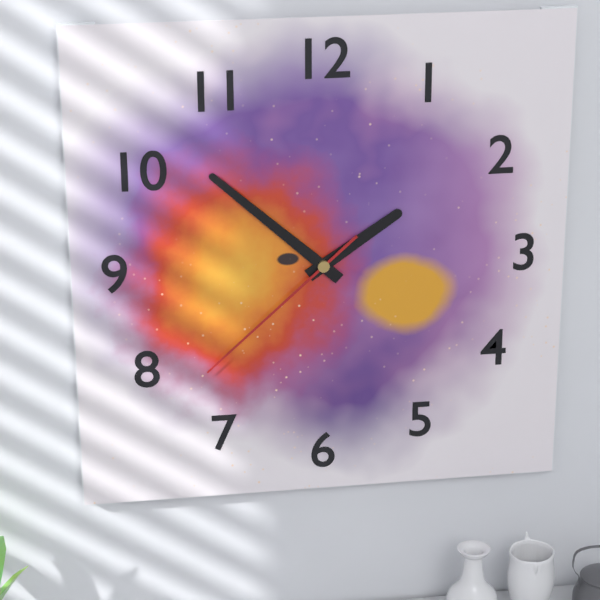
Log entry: {"hour": 1, "minute": 52, "second": 38}
